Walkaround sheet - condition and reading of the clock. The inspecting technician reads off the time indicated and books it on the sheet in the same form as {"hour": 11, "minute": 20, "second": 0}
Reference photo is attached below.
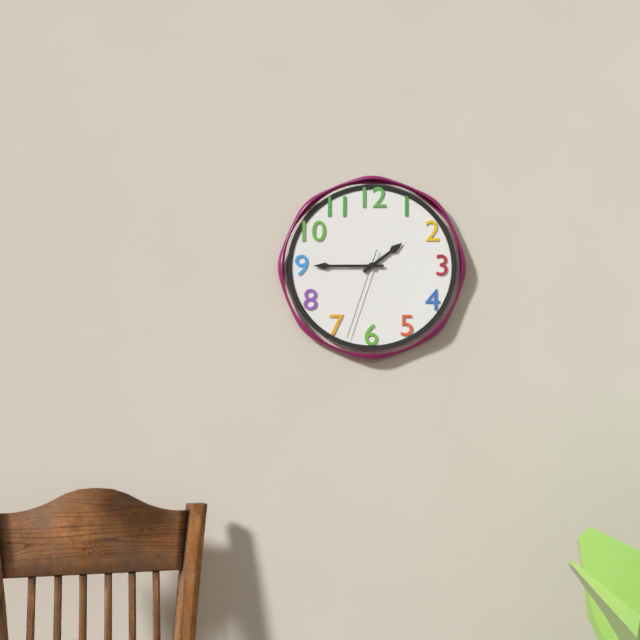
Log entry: {"hour": 1, "minute": 45, "second": 33}
